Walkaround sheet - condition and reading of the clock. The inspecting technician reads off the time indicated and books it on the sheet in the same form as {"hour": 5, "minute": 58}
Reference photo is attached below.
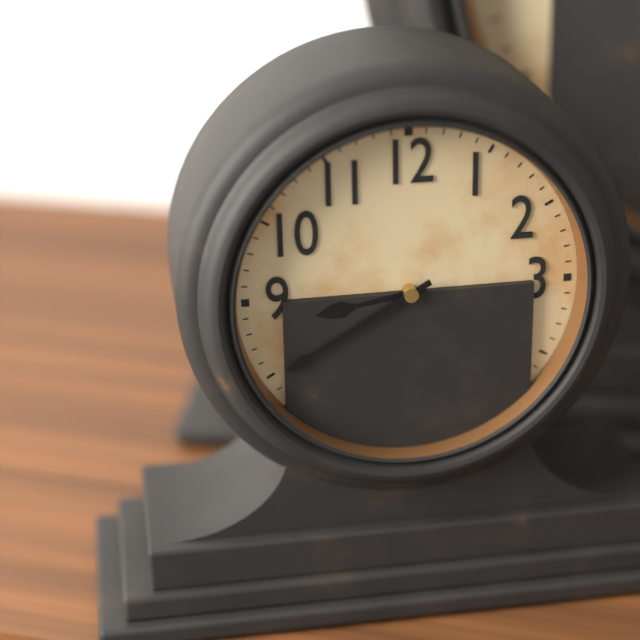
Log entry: {"hour": 8, "minute": 40}
